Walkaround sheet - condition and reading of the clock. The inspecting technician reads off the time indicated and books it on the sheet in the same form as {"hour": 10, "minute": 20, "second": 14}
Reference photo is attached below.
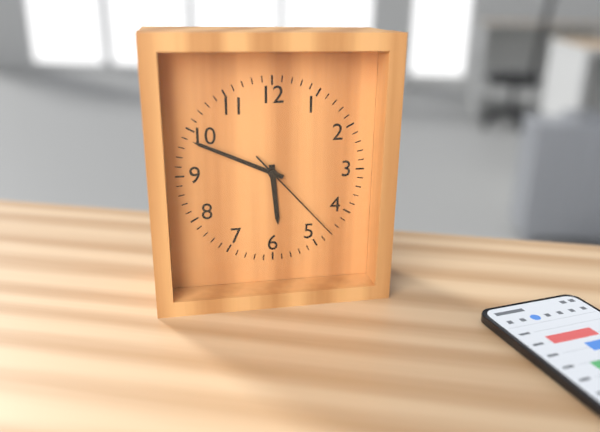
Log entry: {"hour": 5, "minute": 49, "second": 23}
